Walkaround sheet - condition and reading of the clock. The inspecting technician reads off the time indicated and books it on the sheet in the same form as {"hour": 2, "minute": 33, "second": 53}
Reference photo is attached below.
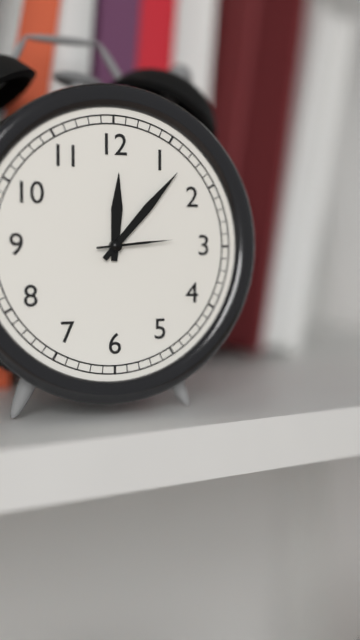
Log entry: {"hour": 12, "minute": 7, "second": 14}
